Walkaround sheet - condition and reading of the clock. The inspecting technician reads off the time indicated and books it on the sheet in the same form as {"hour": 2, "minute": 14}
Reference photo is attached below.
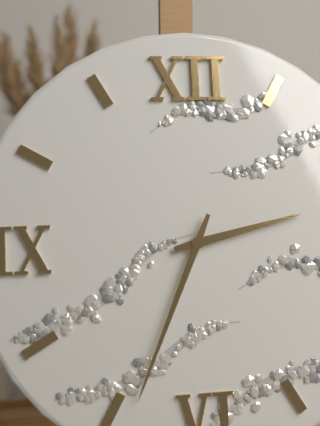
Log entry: {"hour": 2, "minute": 34}
